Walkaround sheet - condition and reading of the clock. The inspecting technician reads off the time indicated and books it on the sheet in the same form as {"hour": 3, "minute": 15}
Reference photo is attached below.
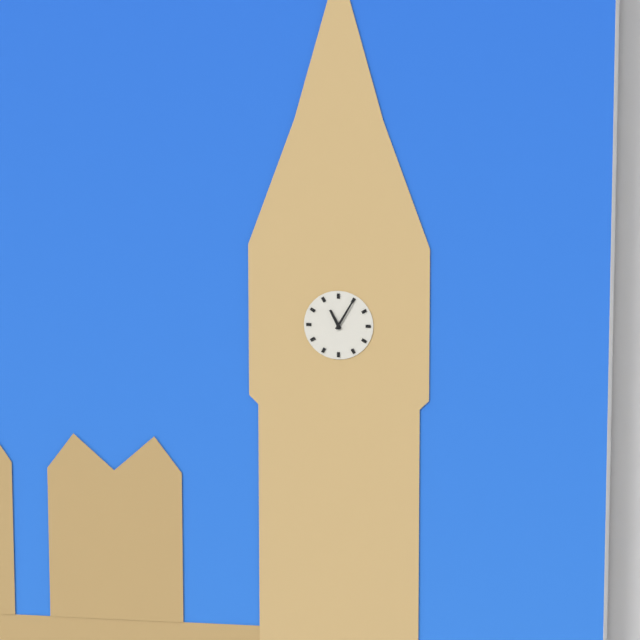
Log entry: {"hour": 11, "minute": 5}
